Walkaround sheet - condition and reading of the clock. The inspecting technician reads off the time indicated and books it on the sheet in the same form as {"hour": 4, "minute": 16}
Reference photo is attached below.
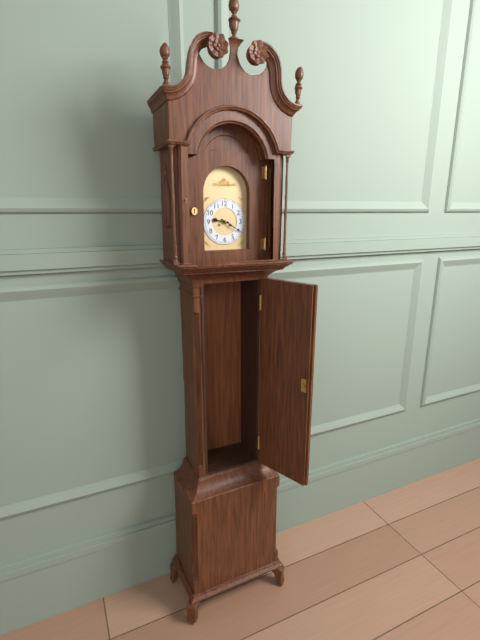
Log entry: {"hour": 9, "minute": 20}
